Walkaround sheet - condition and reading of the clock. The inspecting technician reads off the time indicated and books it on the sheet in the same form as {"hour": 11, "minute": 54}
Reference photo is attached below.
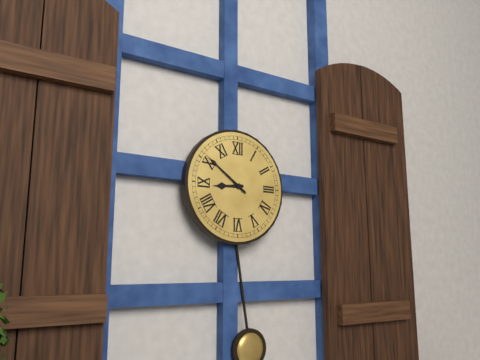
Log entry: {"hour": 8, "minute": 51}
